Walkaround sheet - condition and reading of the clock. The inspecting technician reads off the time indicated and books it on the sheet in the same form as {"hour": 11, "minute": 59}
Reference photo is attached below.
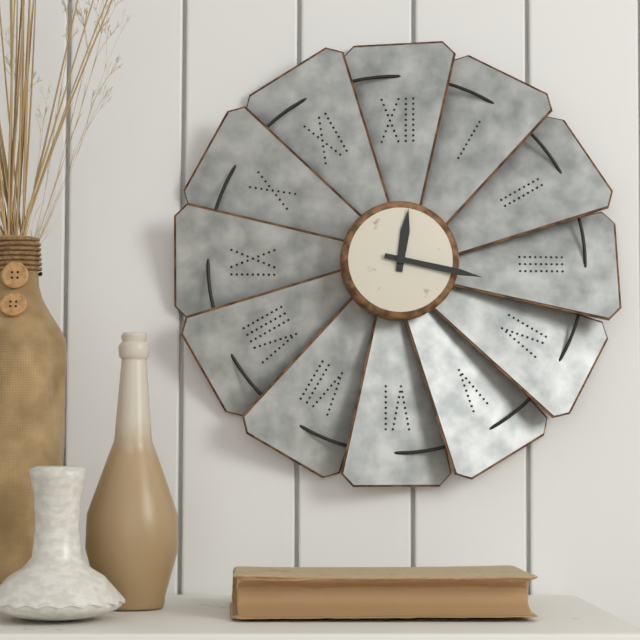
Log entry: {"hour": 12, "minute": 17}
